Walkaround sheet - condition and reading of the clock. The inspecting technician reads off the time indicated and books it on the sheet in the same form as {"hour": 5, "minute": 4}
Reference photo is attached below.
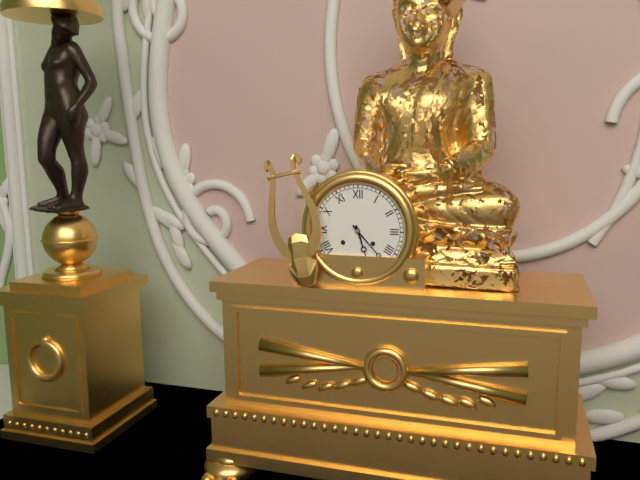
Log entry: {"hour": 5, "minute": 23}
